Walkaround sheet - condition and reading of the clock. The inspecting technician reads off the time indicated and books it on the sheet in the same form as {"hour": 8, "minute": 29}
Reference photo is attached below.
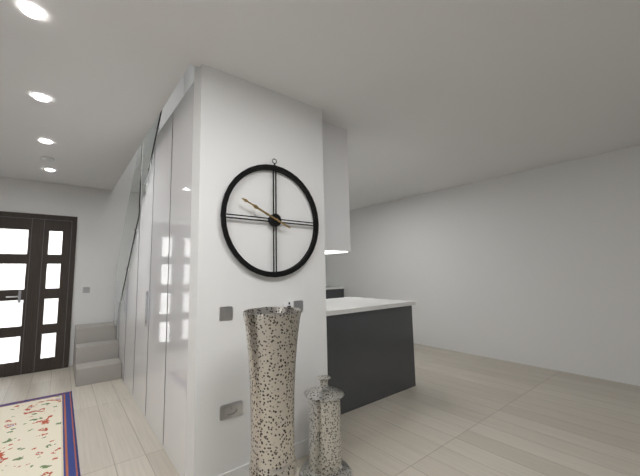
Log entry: {"hour": 9, "minute": 49}
